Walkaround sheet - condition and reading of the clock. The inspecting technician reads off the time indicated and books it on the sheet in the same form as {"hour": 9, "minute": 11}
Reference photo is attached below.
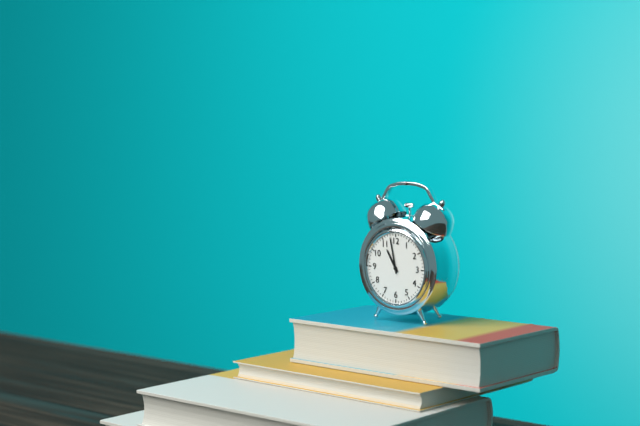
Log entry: {"hour": 10, "minute": 58}
